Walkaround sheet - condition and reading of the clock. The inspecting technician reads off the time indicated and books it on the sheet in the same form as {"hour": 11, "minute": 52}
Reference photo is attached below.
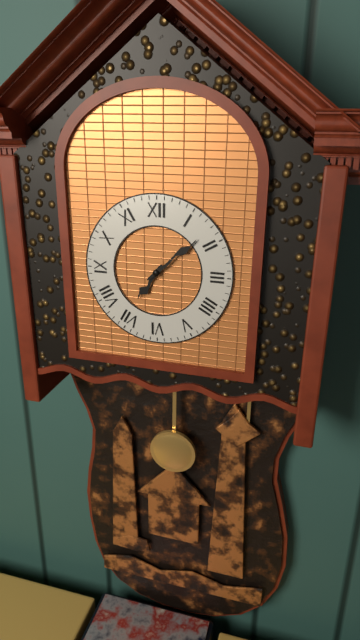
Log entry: {"hour": 7, "minute": 8}
